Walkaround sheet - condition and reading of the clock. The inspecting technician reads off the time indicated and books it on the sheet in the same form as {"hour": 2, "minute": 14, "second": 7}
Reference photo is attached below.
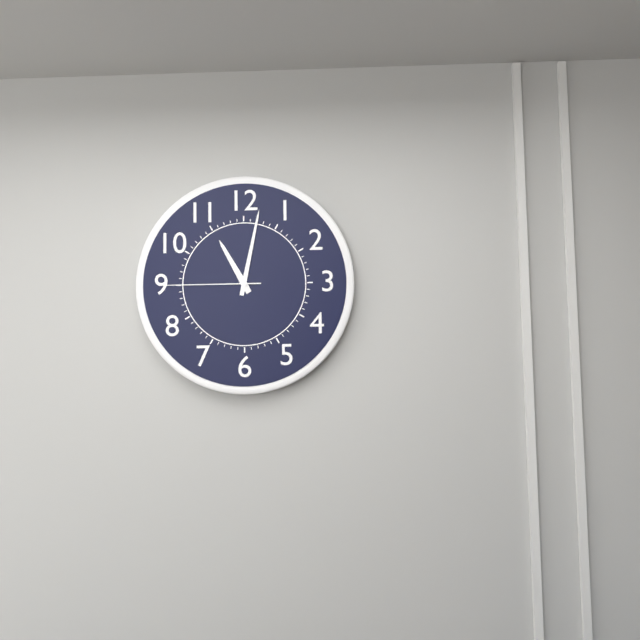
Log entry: {"hour": 11, "minute": 2, "second": 45}
